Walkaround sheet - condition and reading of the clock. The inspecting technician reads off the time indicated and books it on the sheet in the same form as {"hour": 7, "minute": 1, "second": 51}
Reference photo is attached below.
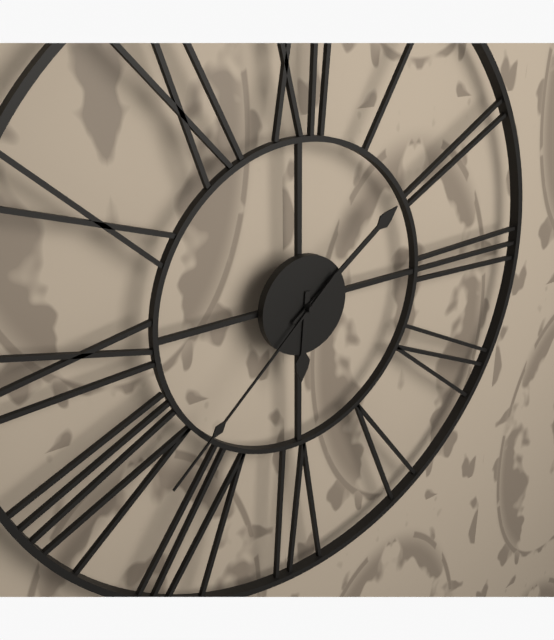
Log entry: {"hour": 6, "minute": 9, "second": 38}
